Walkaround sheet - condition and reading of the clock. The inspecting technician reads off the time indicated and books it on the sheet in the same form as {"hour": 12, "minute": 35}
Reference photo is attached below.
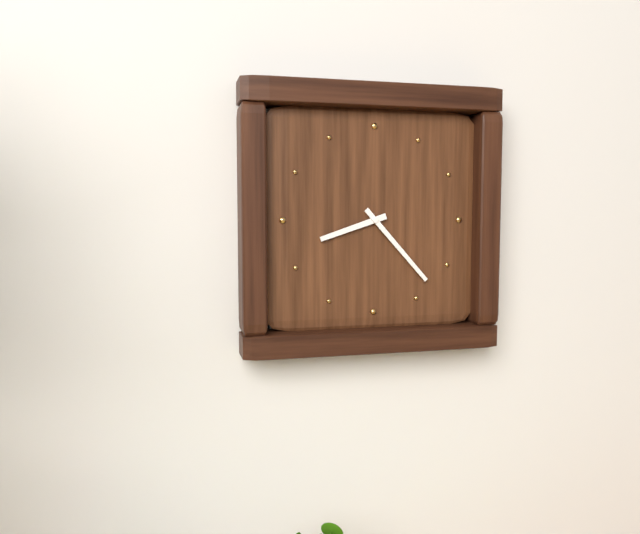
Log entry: {"hour": 8, "minute": 23}
